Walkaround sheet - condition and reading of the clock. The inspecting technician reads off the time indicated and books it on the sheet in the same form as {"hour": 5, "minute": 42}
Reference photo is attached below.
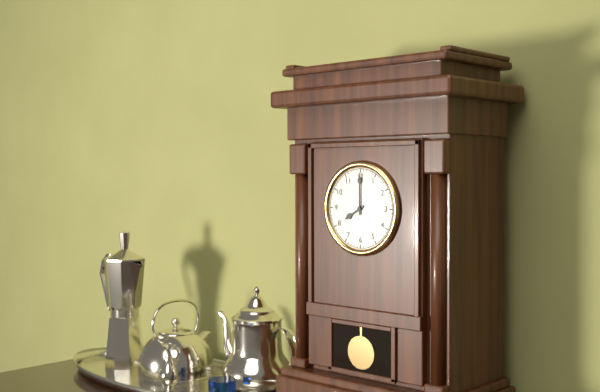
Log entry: {"hour": 8, "minute": 0}
